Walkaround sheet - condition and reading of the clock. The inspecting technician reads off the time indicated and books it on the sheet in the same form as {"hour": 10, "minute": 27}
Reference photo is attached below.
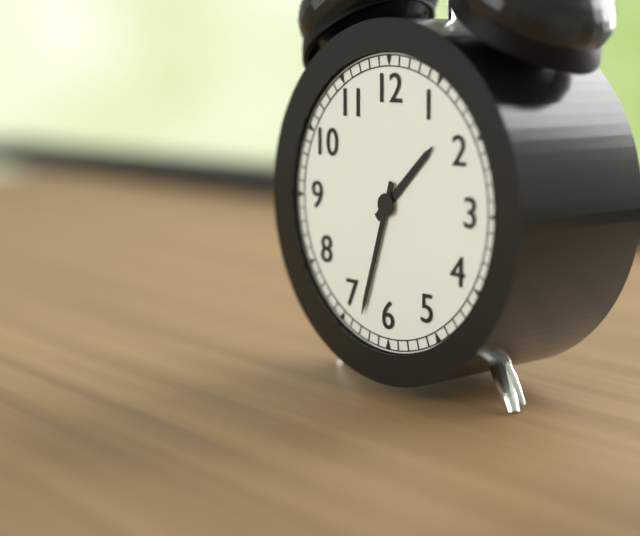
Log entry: {"hour": 1, "minute": 33}
